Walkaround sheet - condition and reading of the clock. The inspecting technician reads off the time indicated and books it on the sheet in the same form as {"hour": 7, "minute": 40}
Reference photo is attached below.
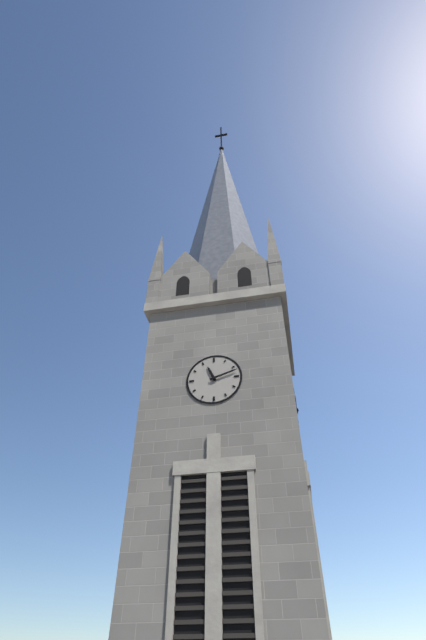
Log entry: {"hour": 11, "minute": 12}
